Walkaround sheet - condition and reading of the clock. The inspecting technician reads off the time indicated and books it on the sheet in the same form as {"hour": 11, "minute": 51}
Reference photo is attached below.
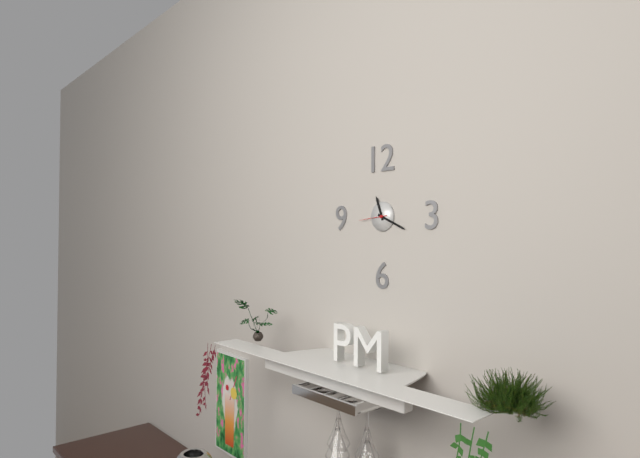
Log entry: {"hour": 11, "minute": 19}
